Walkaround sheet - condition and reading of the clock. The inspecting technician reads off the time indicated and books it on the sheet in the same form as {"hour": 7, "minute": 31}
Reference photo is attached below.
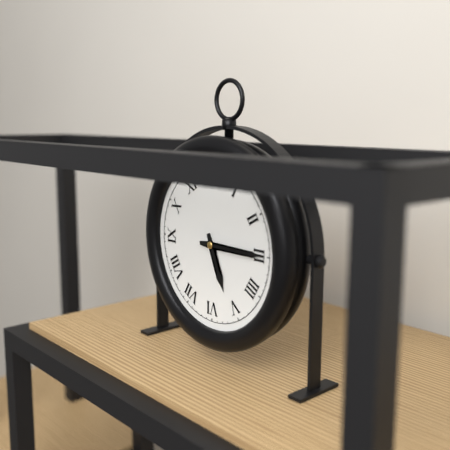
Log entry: {"hour": 5, "minute": 15}
